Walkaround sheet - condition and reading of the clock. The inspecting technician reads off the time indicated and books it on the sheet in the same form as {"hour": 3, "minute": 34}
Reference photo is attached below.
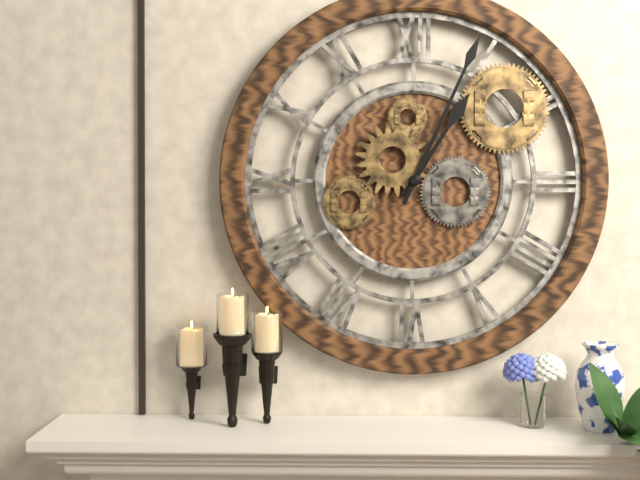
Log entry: {"hour": 1, "minute": 4}
